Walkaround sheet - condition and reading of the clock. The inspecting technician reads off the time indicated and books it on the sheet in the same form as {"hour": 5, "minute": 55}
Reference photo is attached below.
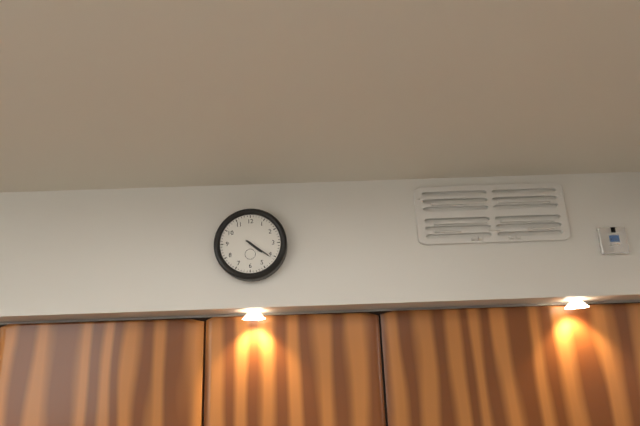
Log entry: {"hour": 4, "minute": 21}
